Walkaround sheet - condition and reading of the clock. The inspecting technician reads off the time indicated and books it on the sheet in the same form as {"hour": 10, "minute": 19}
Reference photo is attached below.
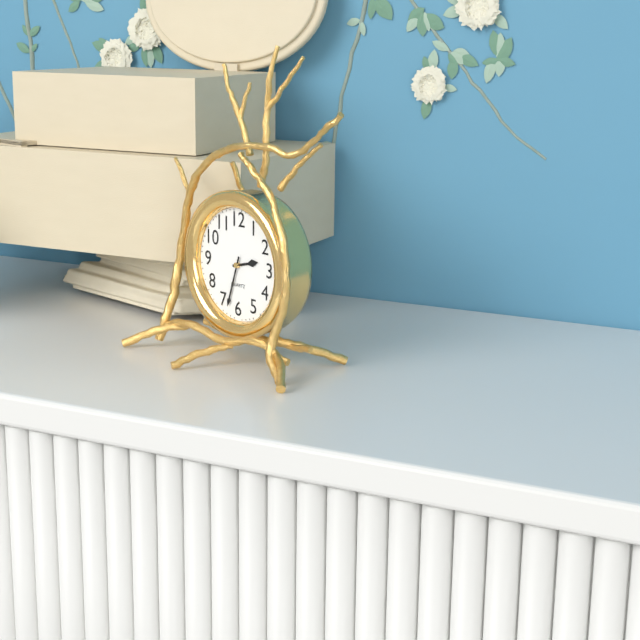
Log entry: {"hour": 2, "minute": 33}
